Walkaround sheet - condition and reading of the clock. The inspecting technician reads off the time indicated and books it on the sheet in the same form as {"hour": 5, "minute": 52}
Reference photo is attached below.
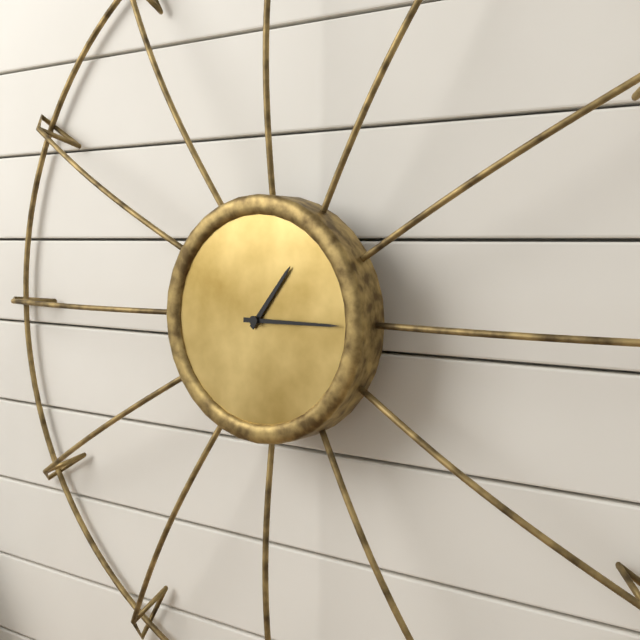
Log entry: {"hour": 1, "minute": 15}
